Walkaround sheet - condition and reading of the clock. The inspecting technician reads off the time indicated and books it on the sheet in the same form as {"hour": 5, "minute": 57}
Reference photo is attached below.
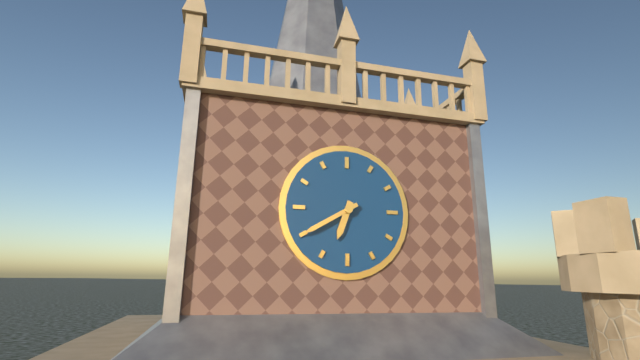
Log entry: {"hour": 6, "minute": 40}
